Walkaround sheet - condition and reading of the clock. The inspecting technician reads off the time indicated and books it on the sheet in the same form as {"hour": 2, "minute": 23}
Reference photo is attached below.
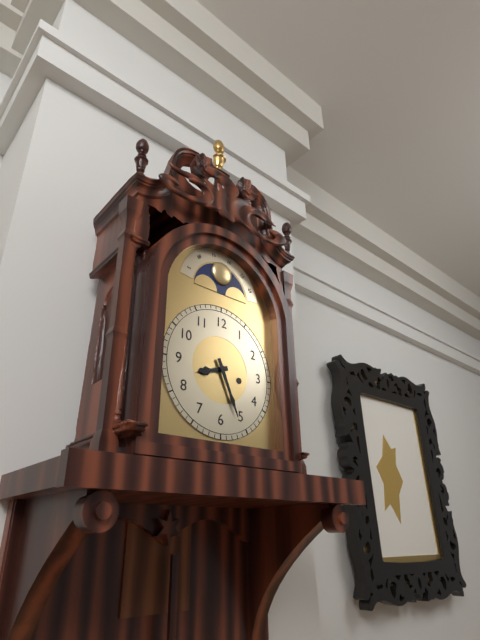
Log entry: {"hour": 8, "minute": 26}
